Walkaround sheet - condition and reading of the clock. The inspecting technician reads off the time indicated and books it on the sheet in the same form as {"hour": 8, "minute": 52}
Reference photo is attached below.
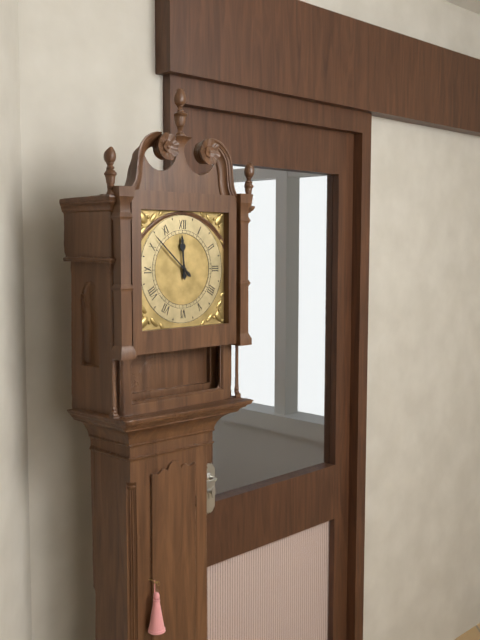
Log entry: {"hour": 11, "minute": 52}
